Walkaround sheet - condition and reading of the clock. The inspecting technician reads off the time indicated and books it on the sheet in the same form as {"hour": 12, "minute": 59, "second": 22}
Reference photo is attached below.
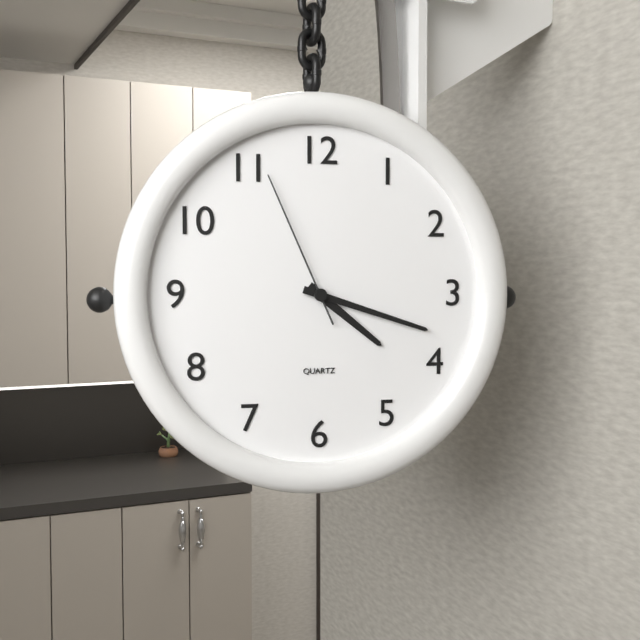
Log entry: {"hour": 4, "minute": 18, "second": 56}
